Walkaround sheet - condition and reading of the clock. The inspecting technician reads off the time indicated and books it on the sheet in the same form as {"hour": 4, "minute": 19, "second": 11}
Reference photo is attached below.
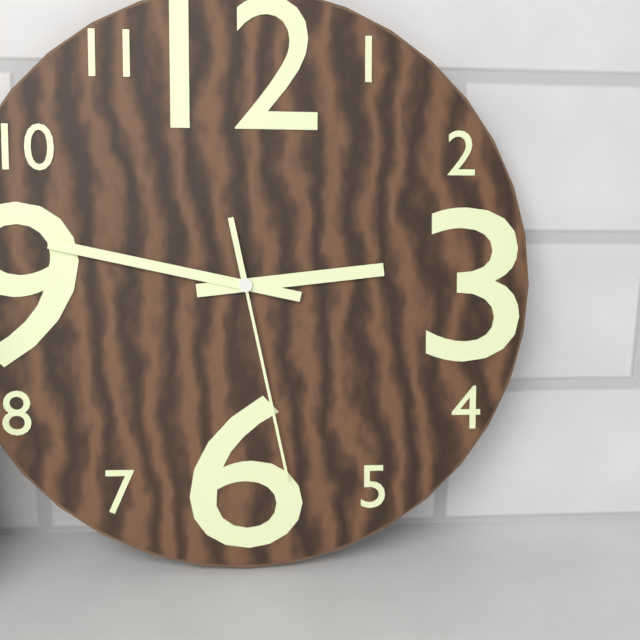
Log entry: {"hour": 2, "minute": 47, "second": 28}
